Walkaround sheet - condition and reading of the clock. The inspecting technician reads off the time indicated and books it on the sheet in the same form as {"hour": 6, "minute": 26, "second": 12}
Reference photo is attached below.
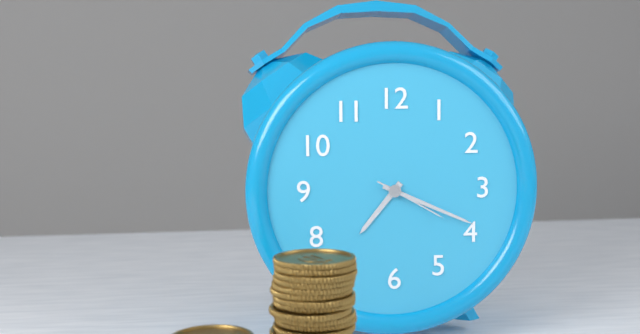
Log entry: {"hour": 7, "minute": 19, "second": 20}
